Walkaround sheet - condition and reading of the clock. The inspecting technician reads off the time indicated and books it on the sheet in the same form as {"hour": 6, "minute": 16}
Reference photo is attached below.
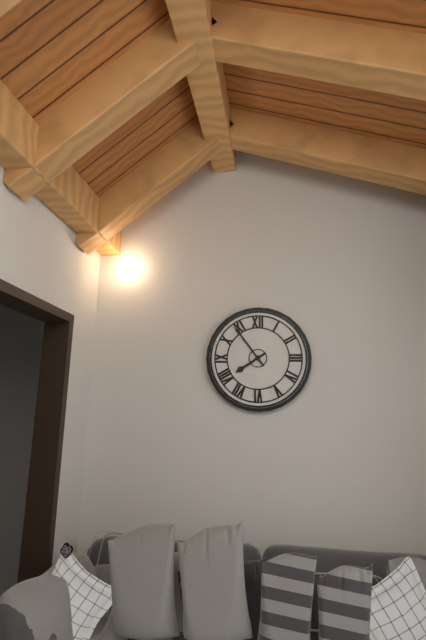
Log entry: {"hour": 7, "minute": 54}
